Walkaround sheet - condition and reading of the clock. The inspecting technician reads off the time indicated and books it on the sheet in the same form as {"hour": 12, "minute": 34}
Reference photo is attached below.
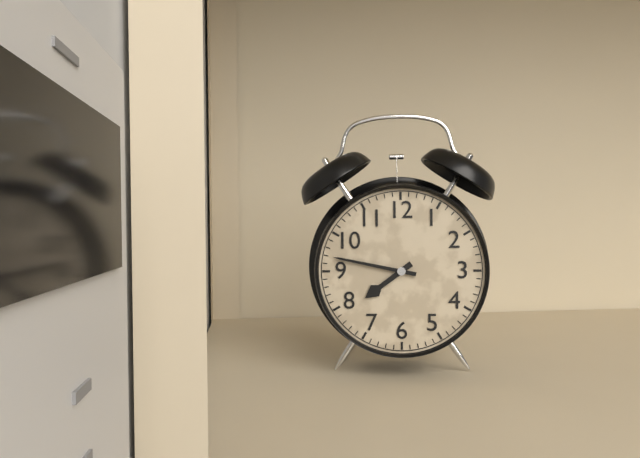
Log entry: {"hour": 7, "minute": 47}
